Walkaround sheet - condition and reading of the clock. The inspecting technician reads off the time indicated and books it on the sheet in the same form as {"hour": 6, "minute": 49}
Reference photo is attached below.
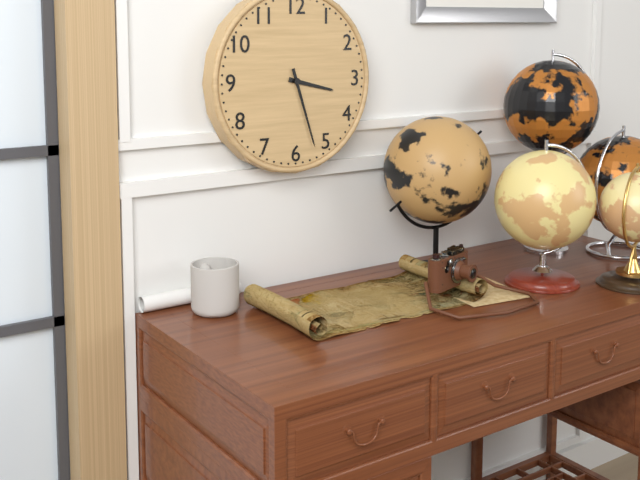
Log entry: {"hour": 3, "minute": 27}
